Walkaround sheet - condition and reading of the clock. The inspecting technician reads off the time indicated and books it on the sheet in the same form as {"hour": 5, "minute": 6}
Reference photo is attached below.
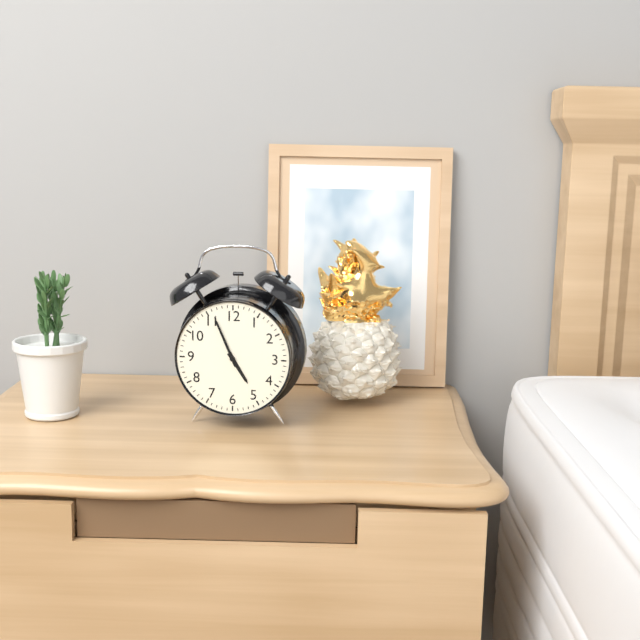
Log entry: {"hour": 4, "minute": 56}
